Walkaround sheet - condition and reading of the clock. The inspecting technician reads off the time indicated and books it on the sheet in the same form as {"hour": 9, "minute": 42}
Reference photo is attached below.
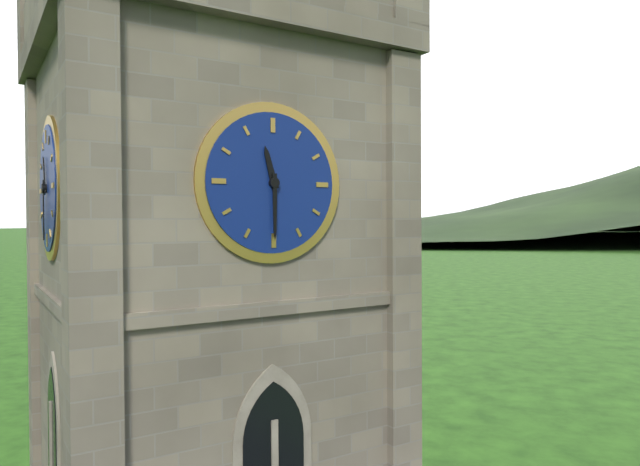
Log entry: {"hour": 11, "minute": 30}
